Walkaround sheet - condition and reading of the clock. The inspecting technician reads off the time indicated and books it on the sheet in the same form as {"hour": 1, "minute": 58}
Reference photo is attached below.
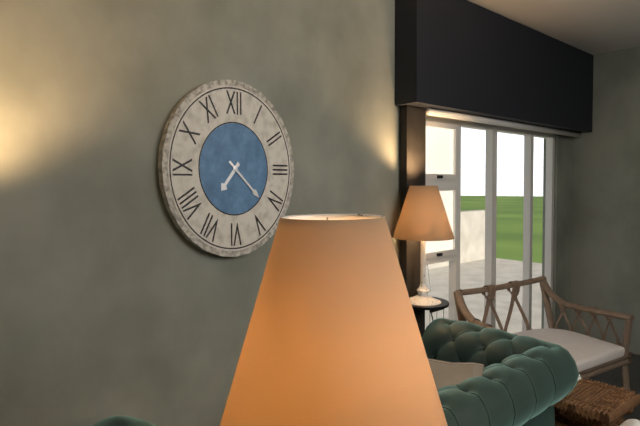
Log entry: {"hour": 7, "minute": 22}
